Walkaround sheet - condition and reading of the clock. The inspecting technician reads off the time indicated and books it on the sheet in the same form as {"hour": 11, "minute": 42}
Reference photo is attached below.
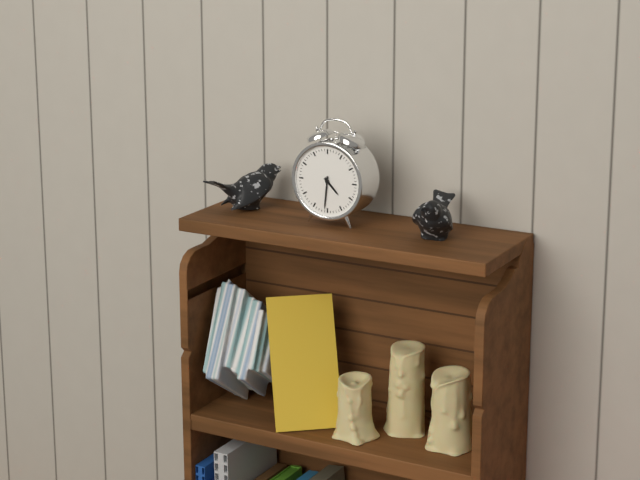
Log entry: {"hour": 4, "minute": 31}
